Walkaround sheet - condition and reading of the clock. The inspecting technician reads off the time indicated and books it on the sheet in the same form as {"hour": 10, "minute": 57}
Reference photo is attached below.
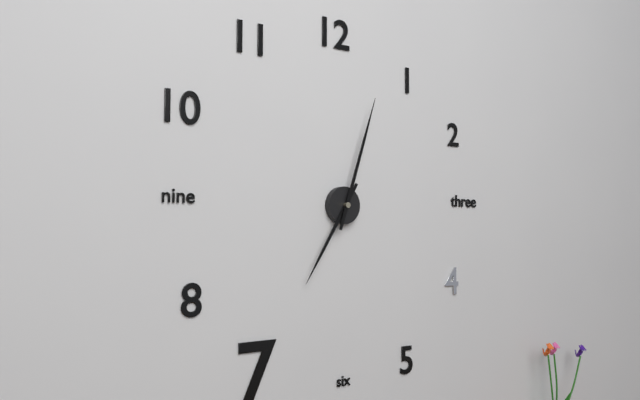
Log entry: {"hour": 7, "minute": 3}
